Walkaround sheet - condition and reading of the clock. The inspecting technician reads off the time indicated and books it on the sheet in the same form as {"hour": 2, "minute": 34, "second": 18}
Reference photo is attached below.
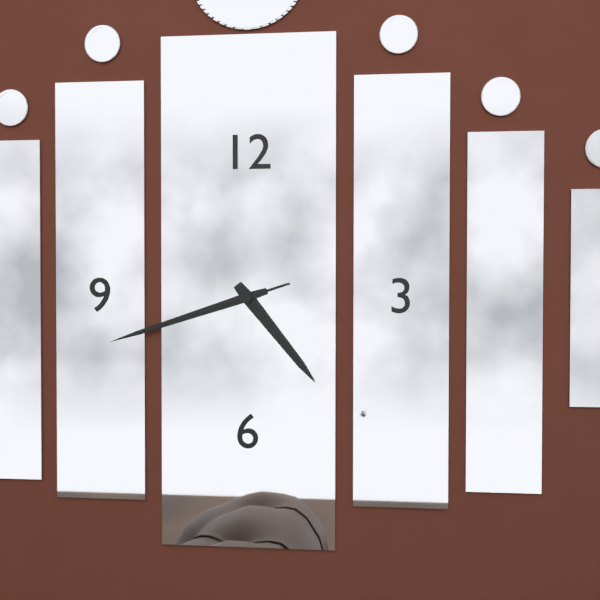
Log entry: {"hour": 4, "minute": 42, "second": 42}
